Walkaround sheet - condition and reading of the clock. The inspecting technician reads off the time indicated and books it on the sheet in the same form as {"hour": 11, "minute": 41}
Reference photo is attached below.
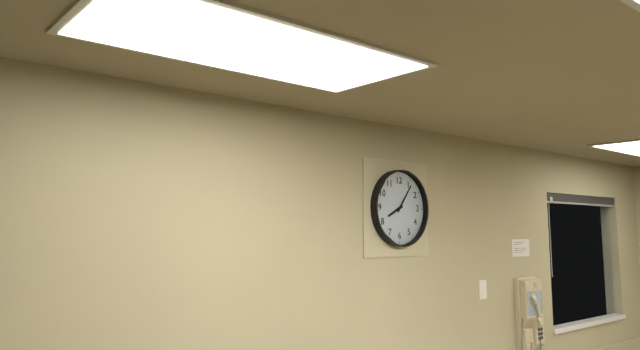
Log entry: {"hour": 8, "minute": 6}
